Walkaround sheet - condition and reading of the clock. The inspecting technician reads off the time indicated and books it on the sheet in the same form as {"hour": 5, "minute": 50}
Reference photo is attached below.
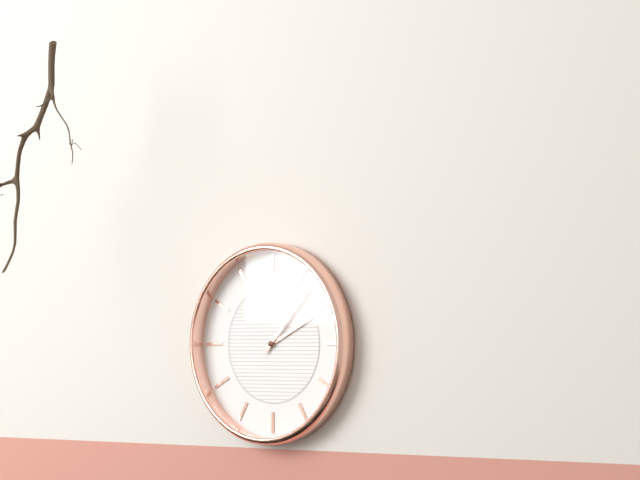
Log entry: {"hour": 2, "minute": 7}
